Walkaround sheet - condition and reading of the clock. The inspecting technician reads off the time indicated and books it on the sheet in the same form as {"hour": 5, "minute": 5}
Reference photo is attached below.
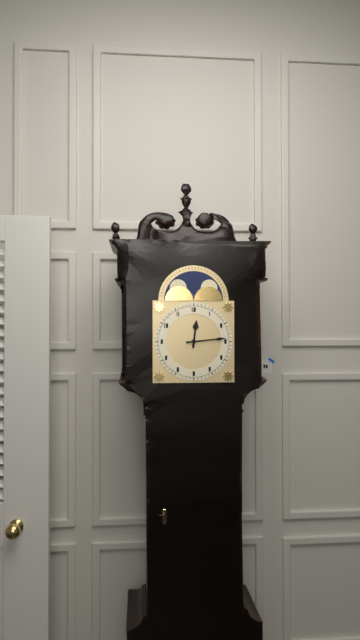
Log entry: {"hour": 12, "minute": 14}
